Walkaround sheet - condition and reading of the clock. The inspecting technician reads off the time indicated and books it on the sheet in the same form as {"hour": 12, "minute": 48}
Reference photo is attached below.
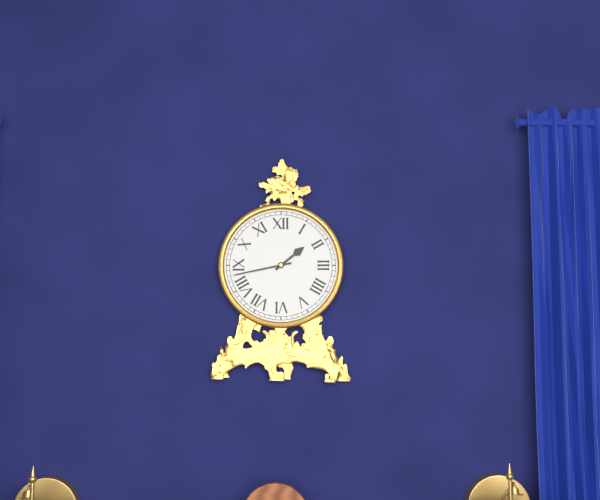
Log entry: {"hour": 1, "minute": 43}
